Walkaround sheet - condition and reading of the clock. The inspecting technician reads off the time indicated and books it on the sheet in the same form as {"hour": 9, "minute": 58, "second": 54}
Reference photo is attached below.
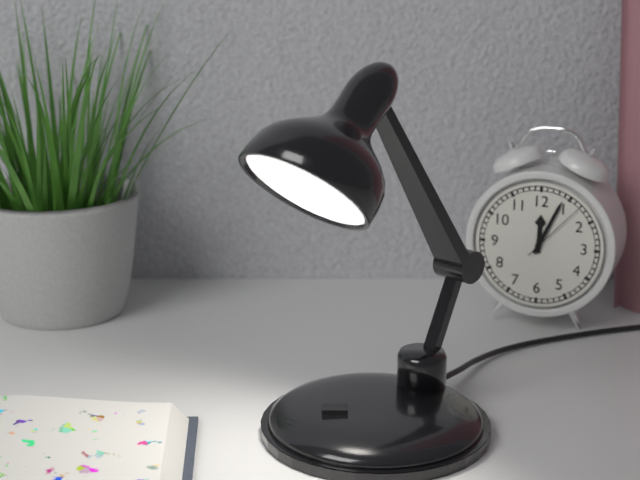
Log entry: {"hour": 12, "minute": 4, "second": 7}
